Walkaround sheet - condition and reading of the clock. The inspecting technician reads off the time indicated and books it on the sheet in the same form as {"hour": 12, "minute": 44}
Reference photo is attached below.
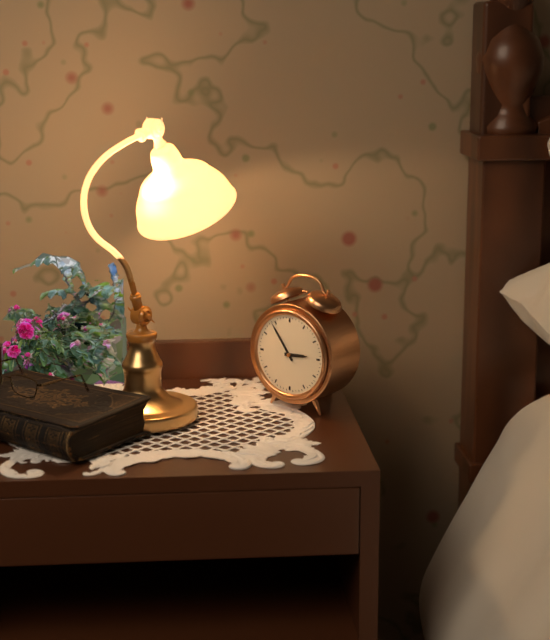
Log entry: {"hour": 2, "minute": 54}
